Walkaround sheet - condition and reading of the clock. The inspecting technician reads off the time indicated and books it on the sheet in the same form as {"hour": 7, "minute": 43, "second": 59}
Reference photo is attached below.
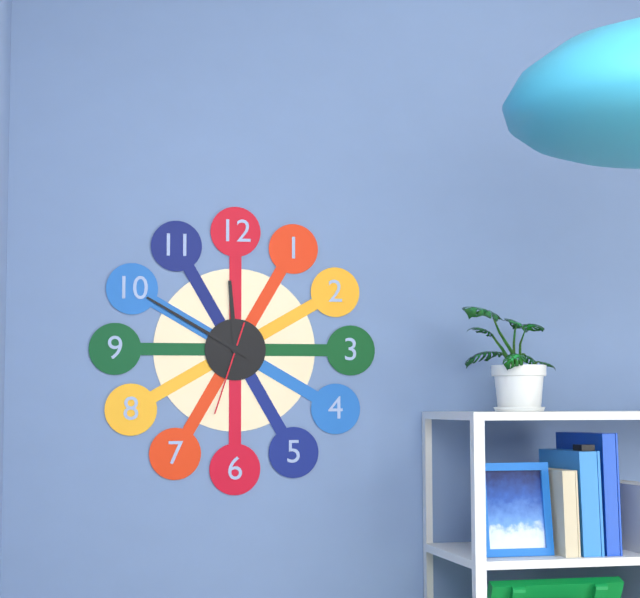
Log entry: {"hour": 11, "minute": 50, "second": 33}
